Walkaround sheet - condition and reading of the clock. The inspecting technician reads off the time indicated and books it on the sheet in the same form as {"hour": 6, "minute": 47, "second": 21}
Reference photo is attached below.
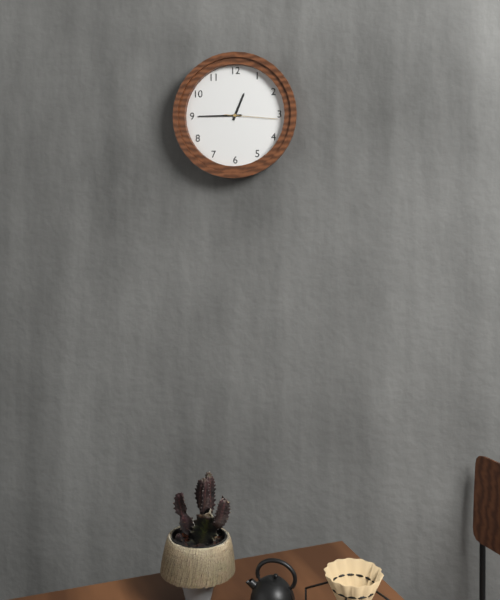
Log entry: {"hour": 12, "minute": 45, "second": 16}
